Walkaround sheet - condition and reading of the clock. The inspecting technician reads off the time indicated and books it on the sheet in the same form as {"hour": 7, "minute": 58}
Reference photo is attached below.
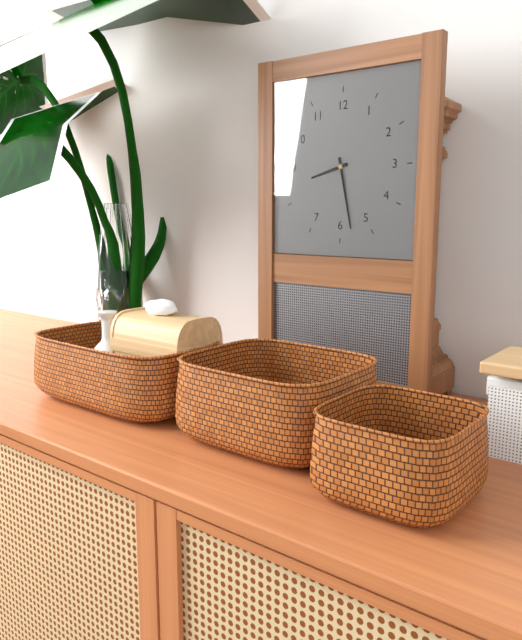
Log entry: {"hour": 8, "minute": 28}
